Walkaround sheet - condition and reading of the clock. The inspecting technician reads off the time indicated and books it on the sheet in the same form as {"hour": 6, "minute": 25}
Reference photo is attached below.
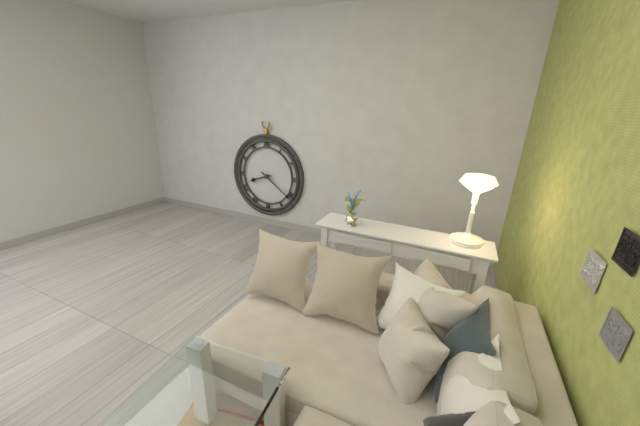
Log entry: {"hour": 8, "minute": 21}
